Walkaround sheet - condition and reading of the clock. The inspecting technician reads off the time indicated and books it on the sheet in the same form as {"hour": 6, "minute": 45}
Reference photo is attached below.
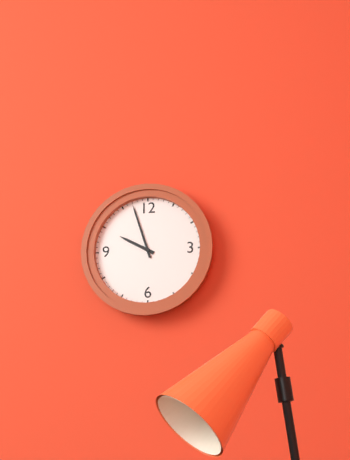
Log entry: {"hour": 9, "minute": 57}
